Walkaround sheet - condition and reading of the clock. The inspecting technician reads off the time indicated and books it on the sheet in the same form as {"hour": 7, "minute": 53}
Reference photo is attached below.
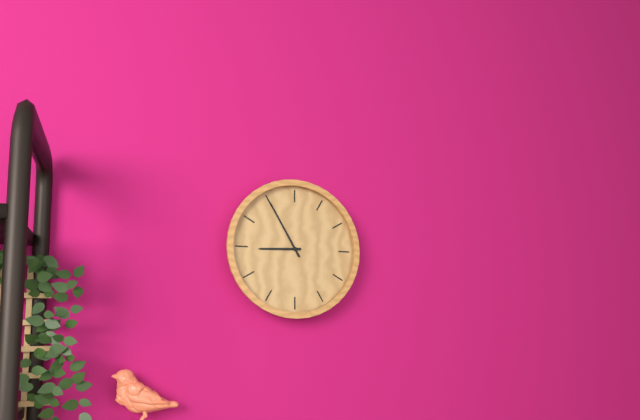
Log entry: {"hour": 8, "minute": 55}
